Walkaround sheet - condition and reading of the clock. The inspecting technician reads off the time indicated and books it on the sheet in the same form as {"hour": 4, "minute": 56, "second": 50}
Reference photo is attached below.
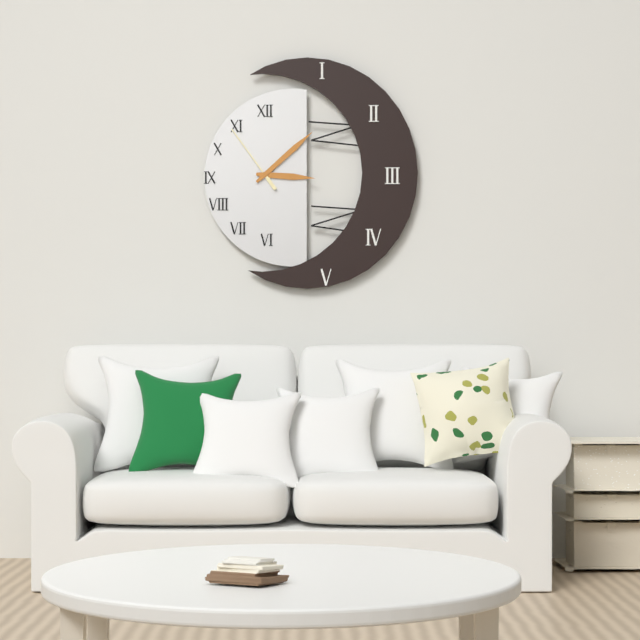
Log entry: {"hour": 3, "minute": 8, "second": 54}
